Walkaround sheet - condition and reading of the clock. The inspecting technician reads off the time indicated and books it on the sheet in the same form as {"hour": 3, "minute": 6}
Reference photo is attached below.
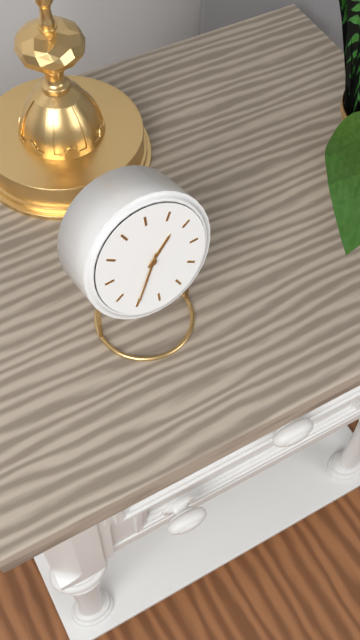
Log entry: {"hour": 1, "minute": 35}
